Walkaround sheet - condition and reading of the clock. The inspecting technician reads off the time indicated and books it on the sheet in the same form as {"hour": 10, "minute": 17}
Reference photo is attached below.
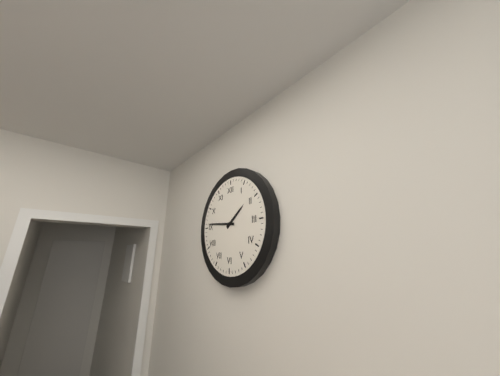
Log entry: {"hour": 1, "minute": 46}
